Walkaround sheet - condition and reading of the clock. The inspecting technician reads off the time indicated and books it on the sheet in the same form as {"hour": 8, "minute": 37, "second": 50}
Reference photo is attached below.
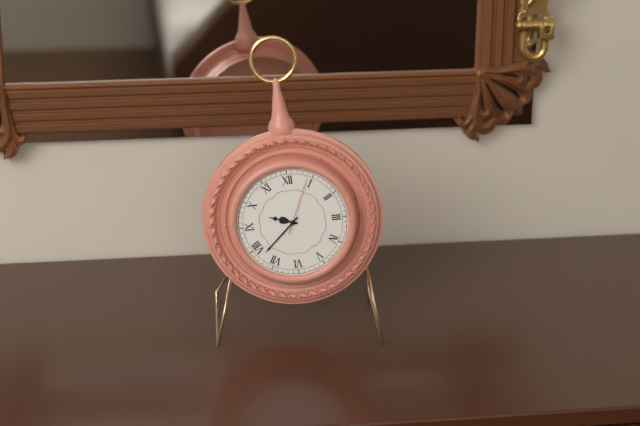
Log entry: {"hour": 9, "minute": 38, "second": 4}
